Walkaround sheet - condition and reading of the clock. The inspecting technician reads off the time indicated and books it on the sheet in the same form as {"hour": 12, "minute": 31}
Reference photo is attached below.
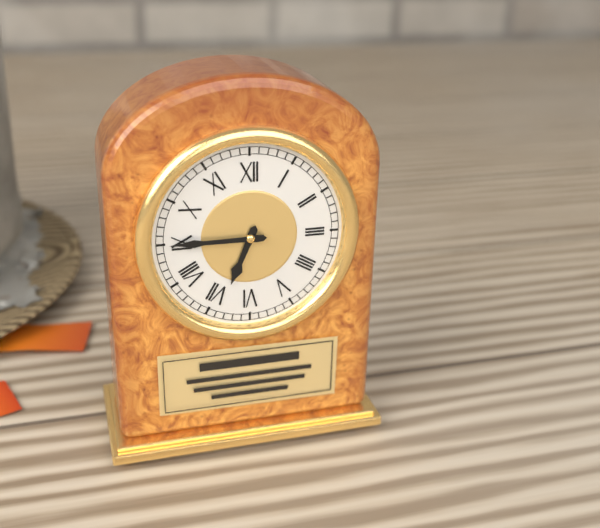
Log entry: {"hour": 6, "minute": 45}
